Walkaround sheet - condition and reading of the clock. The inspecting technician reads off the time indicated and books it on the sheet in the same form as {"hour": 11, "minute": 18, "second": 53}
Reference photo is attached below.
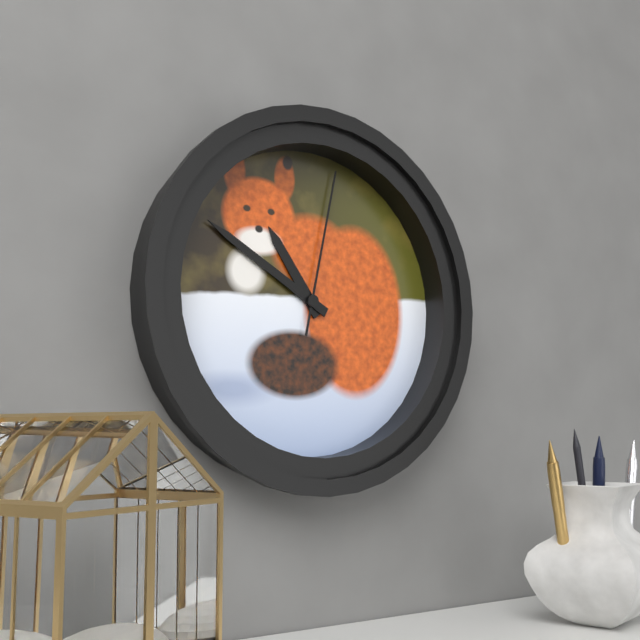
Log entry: {"hour": 10, "minute": 50, "second": 2}
